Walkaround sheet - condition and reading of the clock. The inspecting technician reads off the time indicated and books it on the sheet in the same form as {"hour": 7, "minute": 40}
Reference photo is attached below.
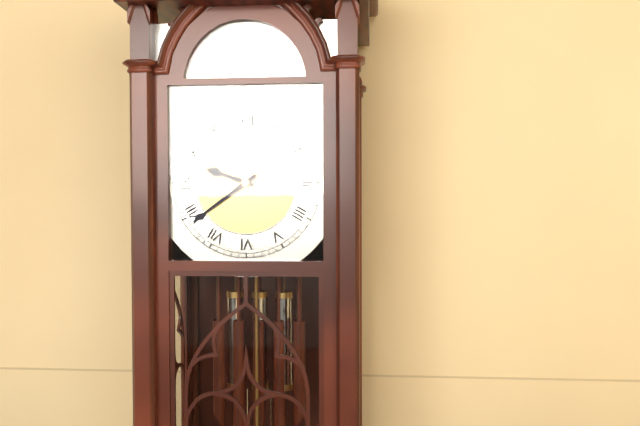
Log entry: {"hour": 9, "minute": 39}
